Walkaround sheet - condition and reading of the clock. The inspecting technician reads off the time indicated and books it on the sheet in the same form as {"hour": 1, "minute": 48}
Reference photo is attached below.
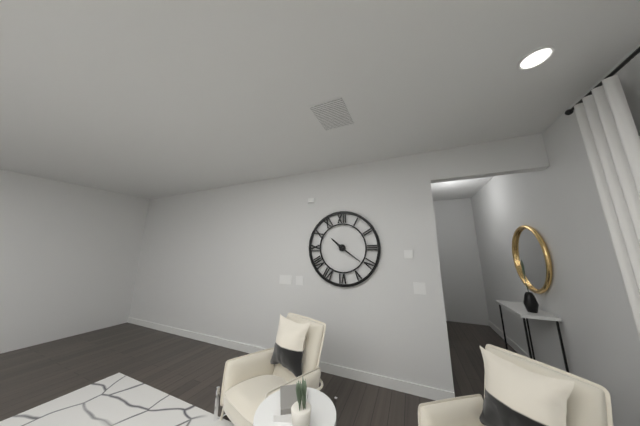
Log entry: {"hour": 10, "minute": 21}
